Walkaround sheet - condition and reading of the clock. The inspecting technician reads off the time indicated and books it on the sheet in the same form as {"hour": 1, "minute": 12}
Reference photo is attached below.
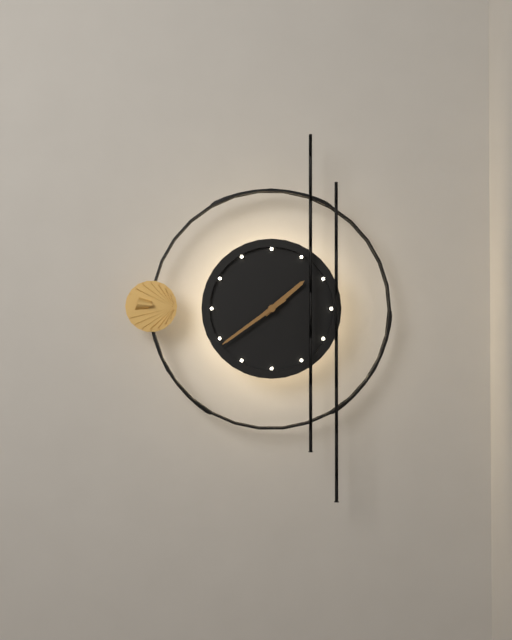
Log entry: {"hour": 1, "minute": 39}
